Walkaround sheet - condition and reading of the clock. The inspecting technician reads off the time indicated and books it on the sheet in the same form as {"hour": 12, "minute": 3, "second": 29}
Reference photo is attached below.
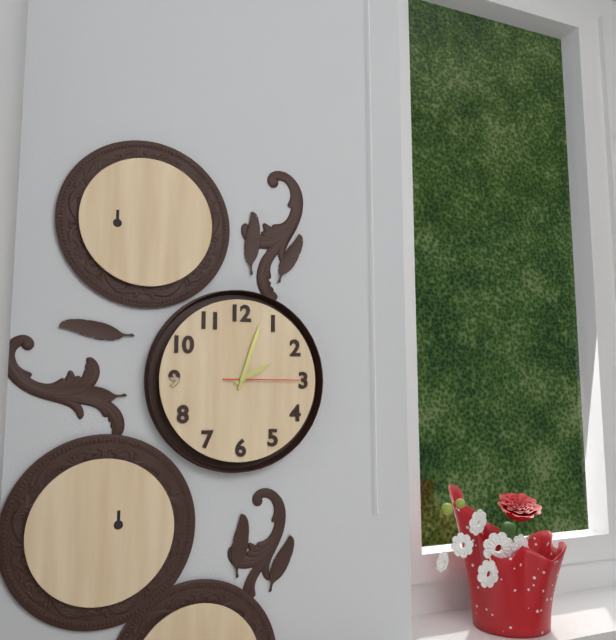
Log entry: {"hour": 2, "minute": 3, "second": 15}
